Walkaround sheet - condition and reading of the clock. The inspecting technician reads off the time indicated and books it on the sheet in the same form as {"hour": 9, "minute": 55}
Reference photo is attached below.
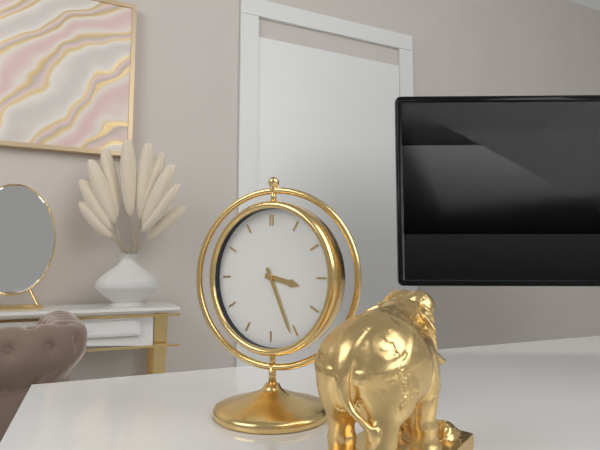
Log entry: {"hour": 3, "minute": 26}
